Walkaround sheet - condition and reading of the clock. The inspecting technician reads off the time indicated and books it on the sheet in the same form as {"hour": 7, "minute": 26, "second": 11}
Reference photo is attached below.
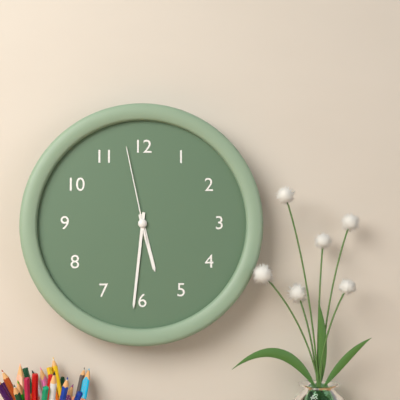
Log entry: {"hour": 5, "minute": 31, "second": 58}
